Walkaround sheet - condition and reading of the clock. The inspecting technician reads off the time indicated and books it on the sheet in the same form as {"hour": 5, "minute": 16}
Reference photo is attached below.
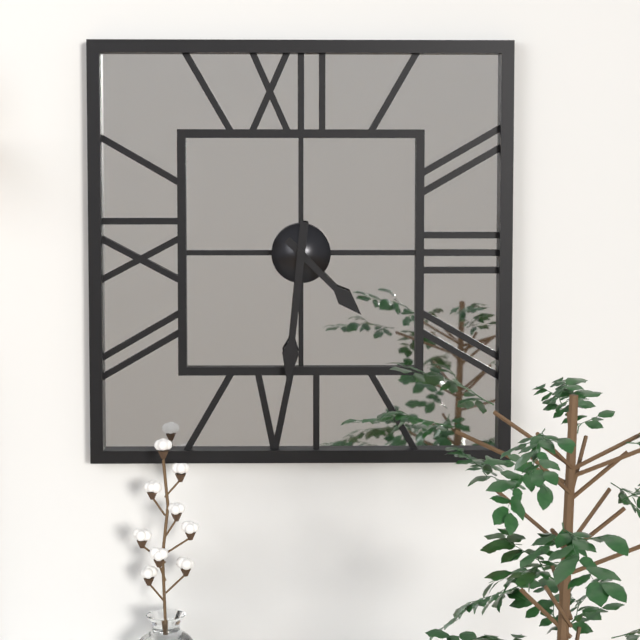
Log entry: {"hour": 4, "minute": 31}
